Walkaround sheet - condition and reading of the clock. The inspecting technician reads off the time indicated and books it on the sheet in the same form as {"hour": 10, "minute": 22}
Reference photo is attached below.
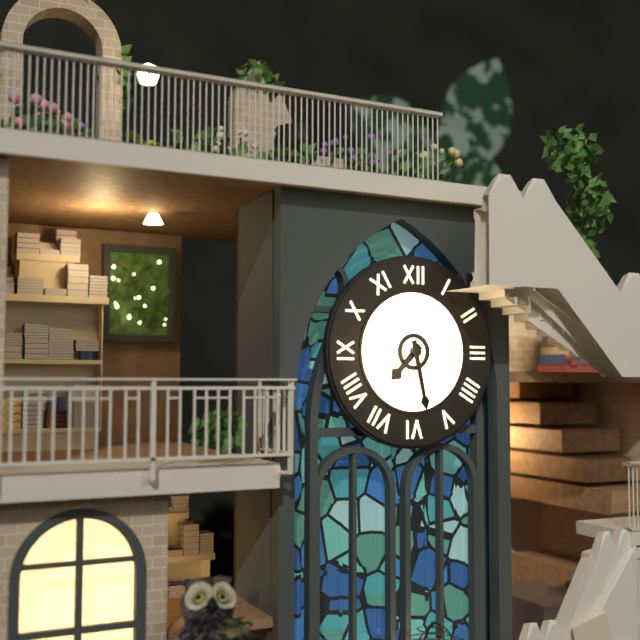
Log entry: {"hour": 7, "minute": 28}
